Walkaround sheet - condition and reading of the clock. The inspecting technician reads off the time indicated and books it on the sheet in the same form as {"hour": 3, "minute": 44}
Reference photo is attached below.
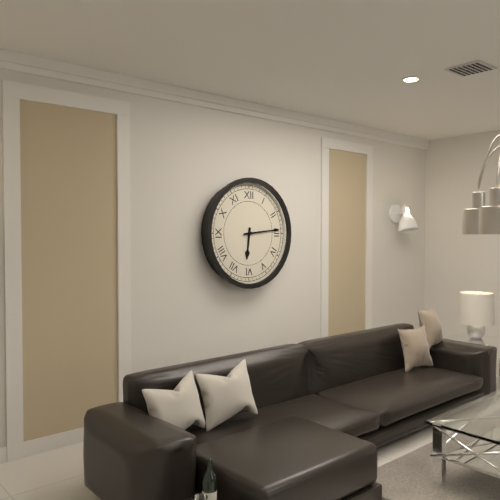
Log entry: {"hour": 6, "minute": 14}
